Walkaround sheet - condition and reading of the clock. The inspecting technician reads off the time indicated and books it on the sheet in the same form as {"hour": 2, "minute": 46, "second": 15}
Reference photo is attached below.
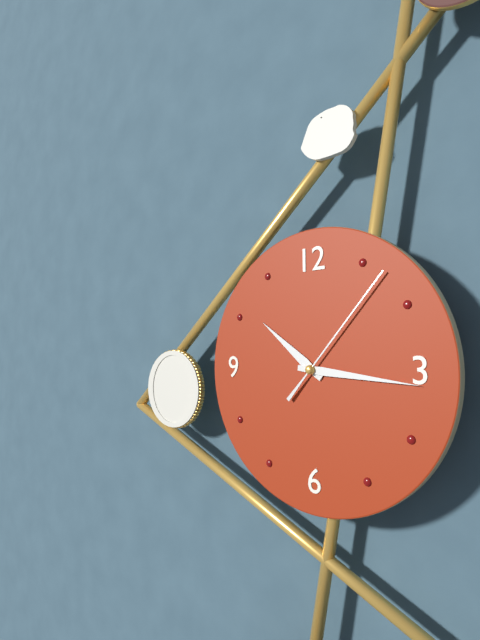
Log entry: {"hour": 10, "minute": 16, "second": 7}
